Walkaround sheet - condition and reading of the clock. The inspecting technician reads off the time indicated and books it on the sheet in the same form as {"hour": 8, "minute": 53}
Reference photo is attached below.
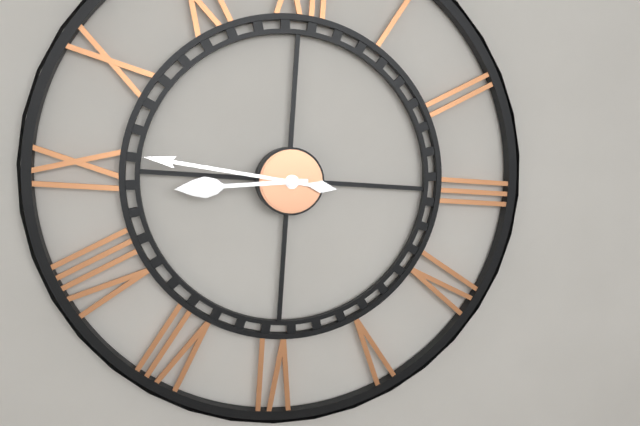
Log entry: {"hour": 8, "minute": 46}
